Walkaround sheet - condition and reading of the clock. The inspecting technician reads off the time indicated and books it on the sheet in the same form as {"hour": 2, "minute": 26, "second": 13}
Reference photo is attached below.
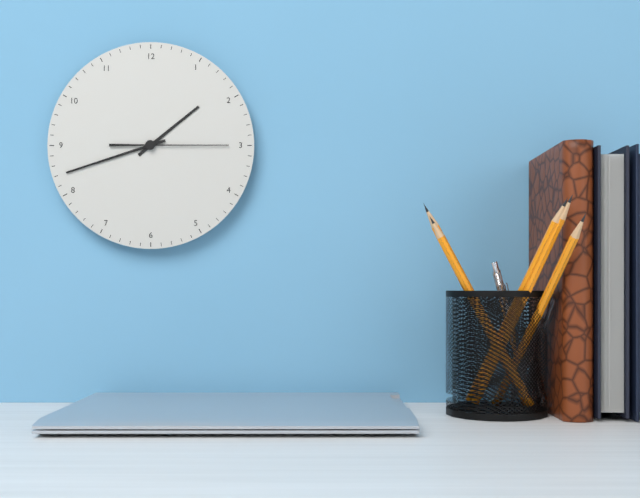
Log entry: {"hour": 1, "minute": 42, "second": 15}
